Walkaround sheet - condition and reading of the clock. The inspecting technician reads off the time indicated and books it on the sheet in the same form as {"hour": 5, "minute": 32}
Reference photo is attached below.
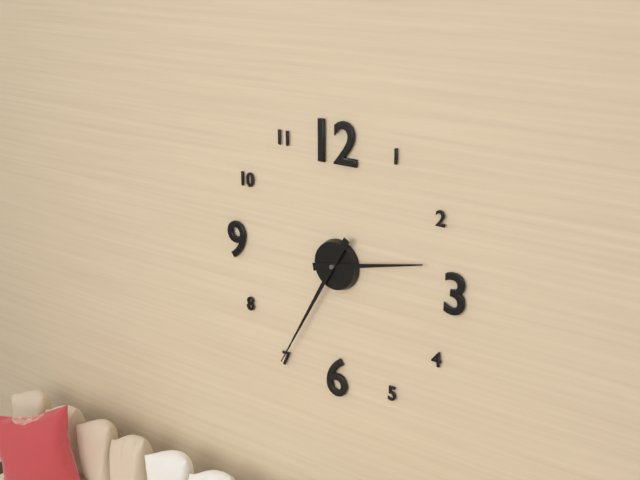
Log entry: {"hour": 2, "minute": 35}
